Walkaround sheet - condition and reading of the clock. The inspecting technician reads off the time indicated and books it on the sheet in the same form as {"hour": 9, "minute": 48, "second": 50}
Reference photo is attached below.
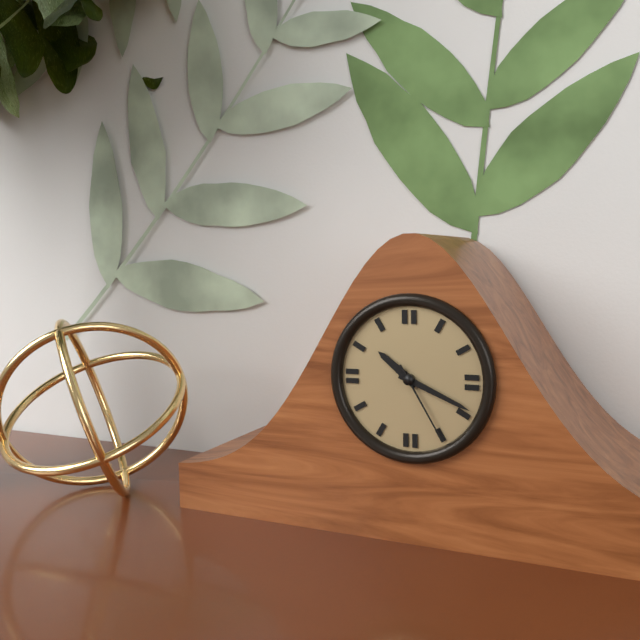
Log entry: {"hour": 10, "minute": 19, "second": 25}
